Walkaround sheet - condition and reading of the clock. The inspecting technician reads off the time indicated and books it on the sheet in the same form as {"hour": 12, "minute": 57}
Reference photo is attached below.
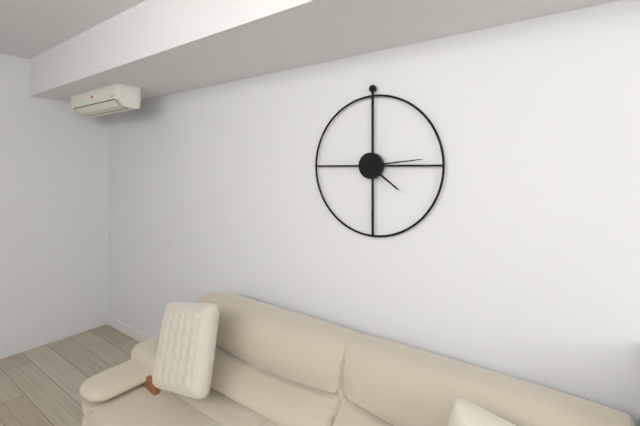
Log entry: {"hour": 4, "minute": 14}
